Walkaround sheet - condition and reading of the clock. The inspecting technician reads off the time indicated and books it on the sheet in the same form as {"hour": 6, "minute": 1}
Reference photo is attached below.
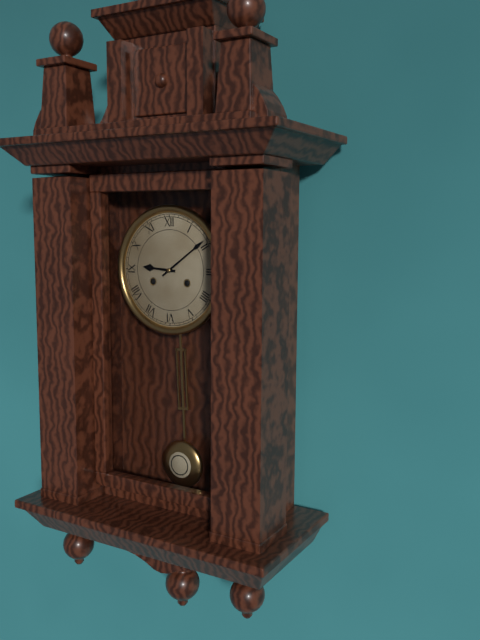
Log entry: {"hour": 9, "minute": 9}
